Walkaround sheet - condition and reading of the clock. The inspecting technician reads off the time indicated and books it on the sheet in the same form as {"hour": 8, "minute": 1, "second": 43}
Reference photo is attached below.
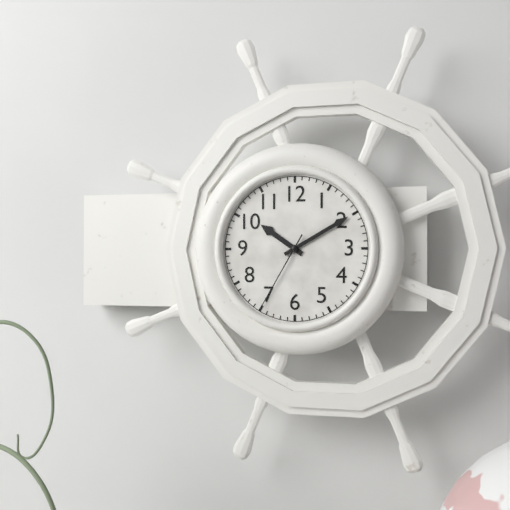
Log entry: {"hour": 10, "minute": 10, "second": 35}
